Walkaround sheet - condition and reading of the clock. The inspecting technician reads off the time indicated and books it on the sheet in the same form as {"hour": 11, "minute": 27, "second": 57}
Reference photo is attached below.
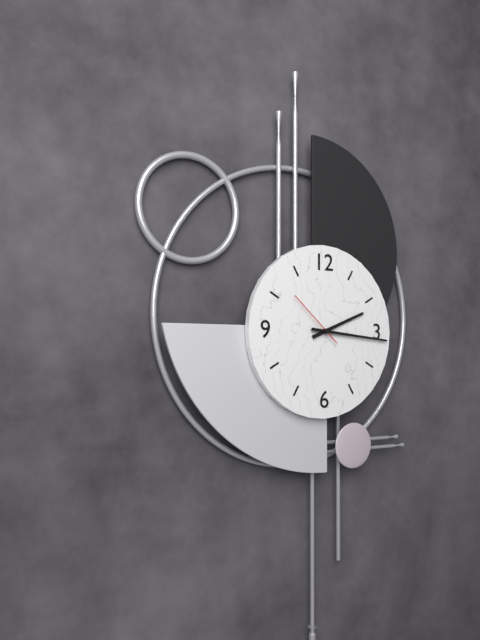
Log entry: {"hour": 2, "minute": 16, "second": 52}
